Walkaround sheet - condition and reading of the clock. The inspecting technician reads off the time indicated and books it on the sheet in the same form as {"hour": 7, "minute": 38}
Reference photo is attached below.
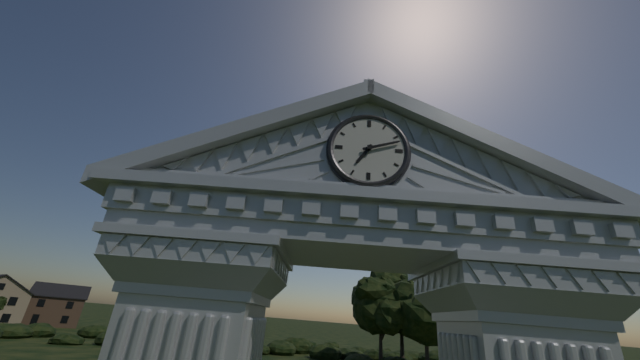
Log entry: {"hour": 7, "minute": 12}
